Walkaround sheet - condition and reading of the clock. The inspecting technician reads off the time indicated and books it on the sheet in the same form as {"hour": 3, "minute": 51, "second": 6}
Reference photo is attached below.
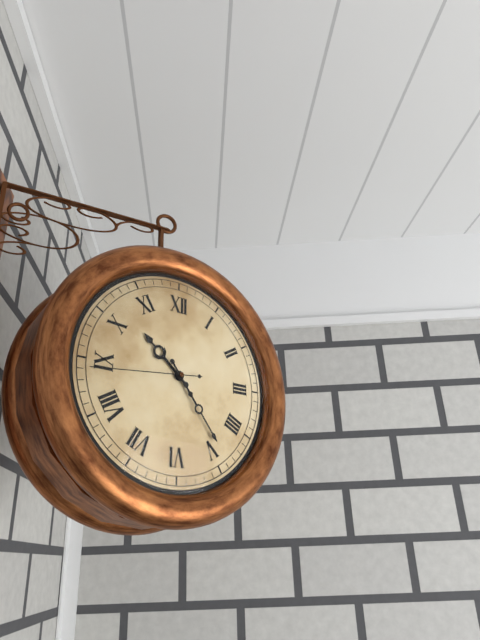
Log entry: {"hour": 10, "minute": 24, "second": 44}
